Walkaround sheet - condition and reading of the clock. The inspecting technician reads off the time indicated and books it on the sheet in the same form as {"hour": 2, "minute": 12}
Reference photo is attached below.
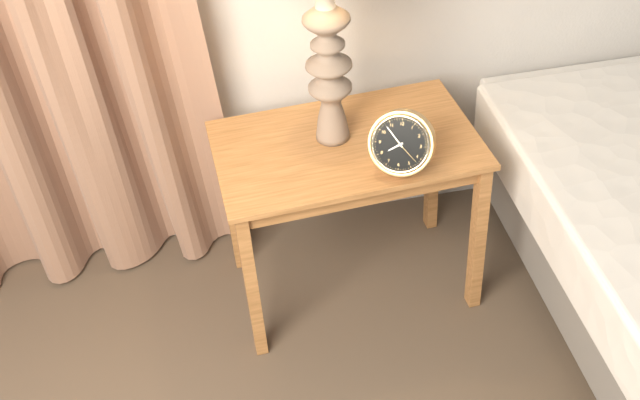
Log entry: {"hour": 7, "minute": 53}
